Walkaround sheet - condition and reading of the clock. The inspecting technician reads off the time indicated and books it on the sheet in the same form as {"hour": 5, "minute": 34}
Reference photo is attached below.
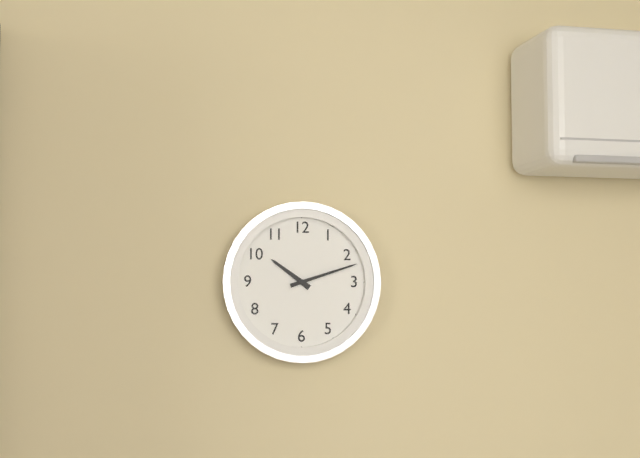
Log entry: {"hour": 10, "minute": 12}
